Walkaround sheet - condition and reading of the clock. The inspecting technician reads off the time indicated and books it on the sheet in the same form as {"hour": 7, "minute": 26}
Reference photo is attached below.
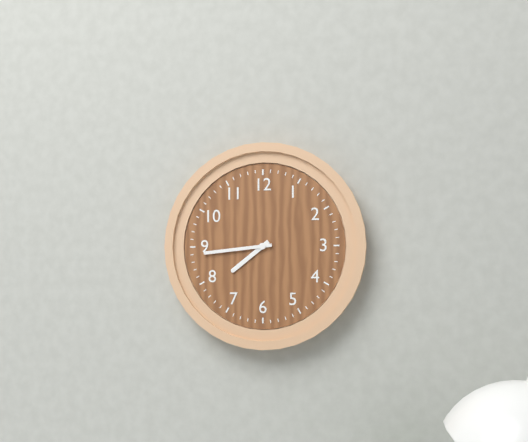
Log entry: {"hour": 7, "minute": 44}
